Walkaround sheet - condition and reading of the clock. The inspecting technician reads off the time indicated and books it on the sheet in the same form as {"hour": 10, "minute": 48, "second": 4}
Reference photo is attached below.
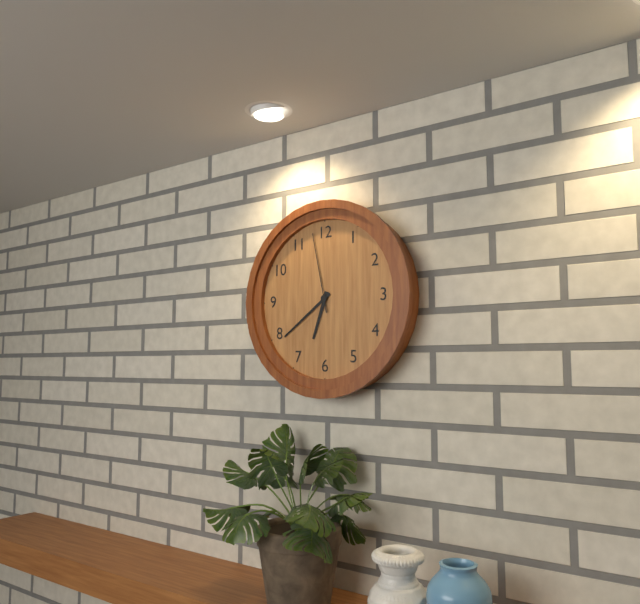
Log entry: {"hour": 6, "minute": 39, "second": 58}
